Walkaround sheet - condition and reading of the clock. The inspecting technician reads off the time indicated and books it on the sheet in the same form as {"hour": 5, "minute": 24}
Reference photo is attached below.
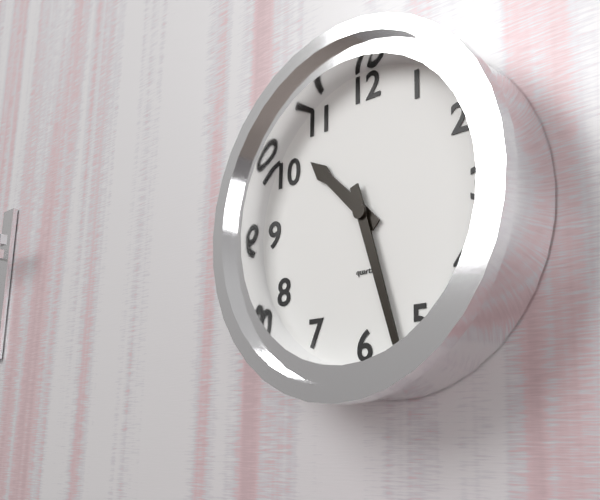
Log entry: {"hour": 10, "minute": 27}
